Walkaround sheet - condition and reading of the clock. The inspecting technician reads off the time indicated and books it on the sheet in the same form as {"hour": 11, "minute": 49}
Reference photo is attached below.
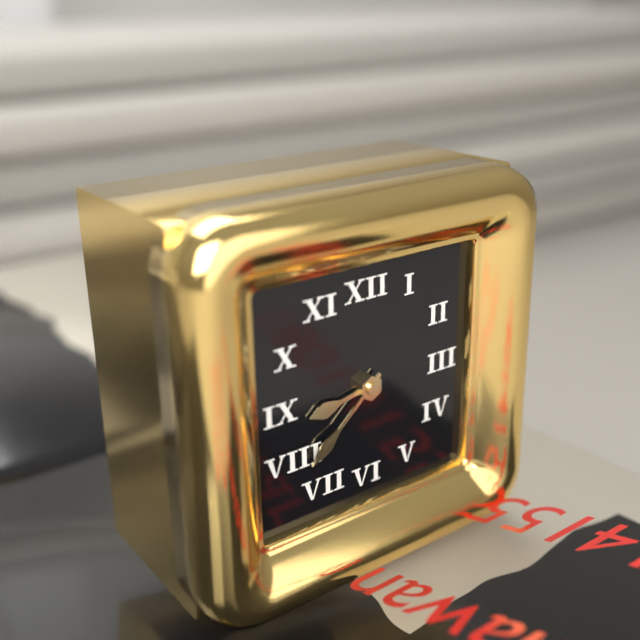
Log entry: {"hour": 8, "minute": 38}
